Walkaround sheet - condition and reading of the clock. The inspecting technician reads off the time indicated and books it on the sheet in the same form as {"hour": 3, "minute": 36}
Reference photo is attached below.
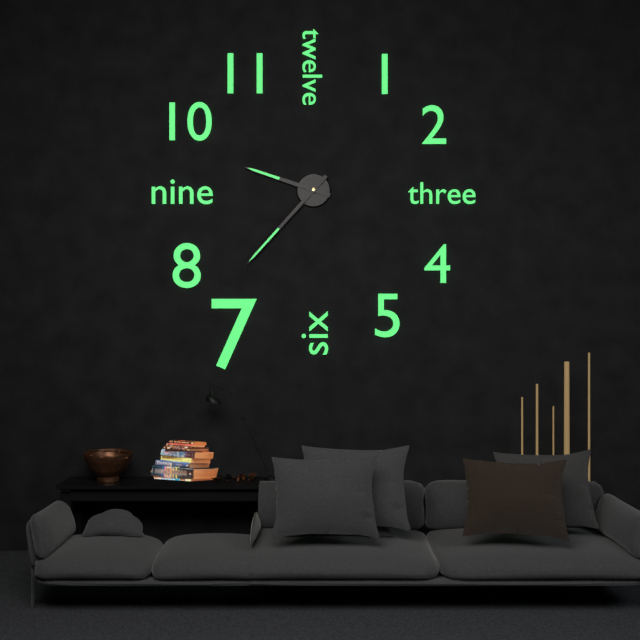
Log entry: {"hour": 9, "minute": 37}
